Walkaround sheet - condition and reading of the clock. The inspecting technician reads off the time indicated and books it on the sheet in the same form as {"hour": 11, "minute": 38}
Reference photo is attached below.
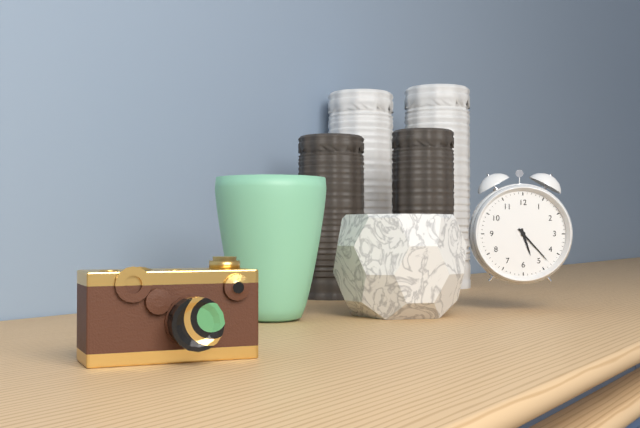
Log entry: {"hour": 5, "minute": 23}
